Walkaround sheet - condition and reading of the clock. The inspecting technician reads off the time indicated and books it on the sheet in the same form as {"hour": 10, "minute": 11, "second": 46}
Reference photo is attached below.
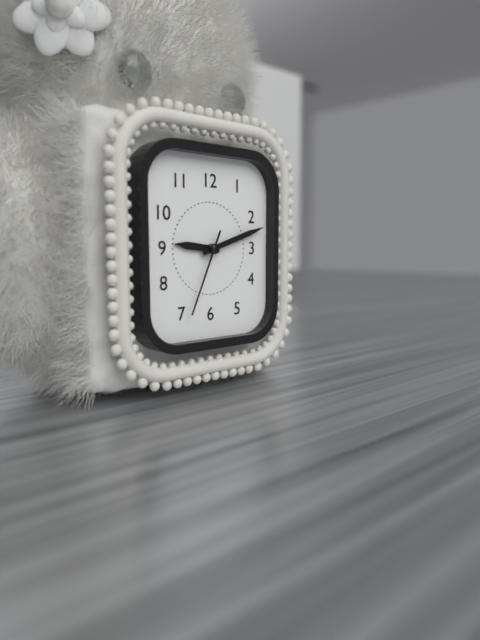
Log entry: {"hour": 9, "minute": 12, "second": 34}
